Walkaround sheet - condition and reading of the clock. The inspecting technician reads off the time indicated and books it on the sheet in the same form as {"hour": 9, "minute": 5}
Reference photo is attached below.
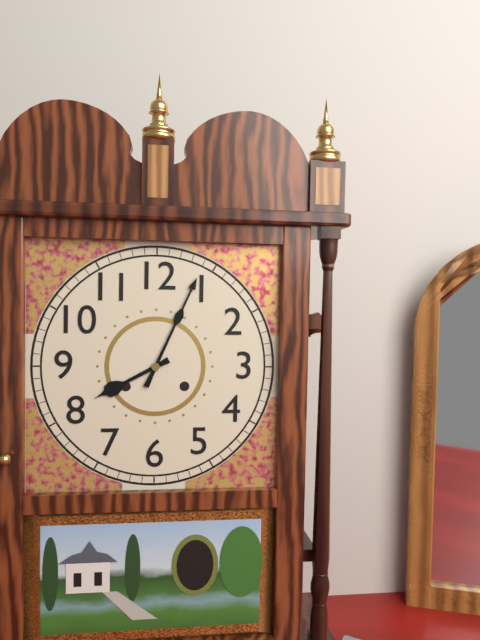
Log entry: {"hour": 8, "minute": 4}
